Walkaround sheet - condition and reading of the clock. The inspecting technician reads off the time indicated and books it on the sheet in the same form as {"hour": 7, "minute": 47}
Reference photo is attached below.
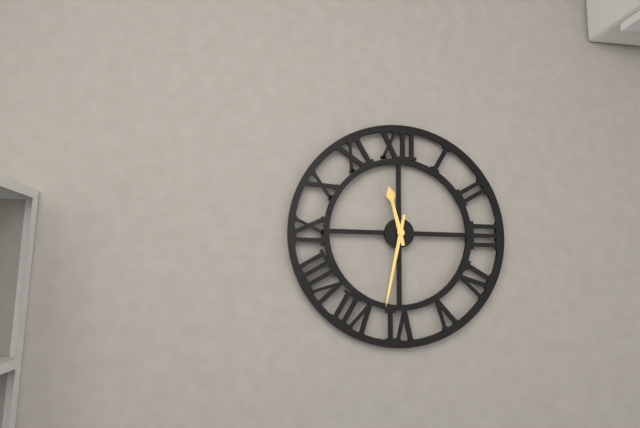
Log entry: {"hour": 11, "minute": 32}
